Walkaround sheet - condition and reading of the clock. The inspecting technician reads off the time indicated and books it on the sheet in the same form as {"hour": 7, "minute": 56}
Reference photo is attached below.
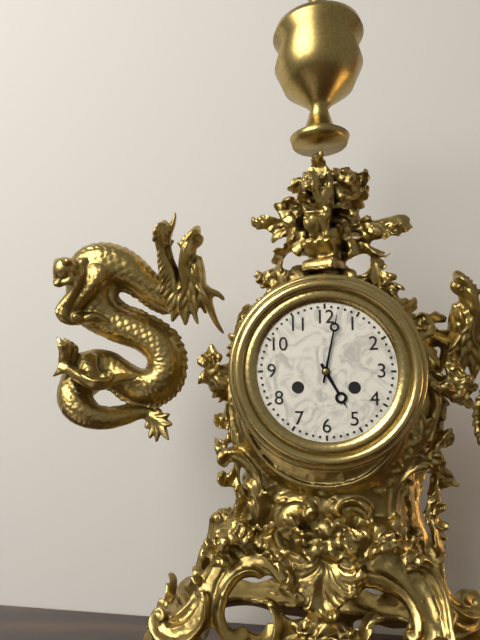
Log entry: {"hour": 5, "minute": 2}
